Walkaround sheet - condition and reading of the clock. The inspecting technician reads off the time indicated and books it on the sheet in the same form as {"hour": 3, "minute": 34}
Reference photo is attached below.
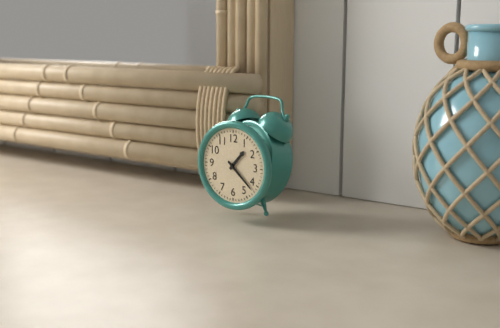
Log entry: {"hour": 1, "minute": 22}
